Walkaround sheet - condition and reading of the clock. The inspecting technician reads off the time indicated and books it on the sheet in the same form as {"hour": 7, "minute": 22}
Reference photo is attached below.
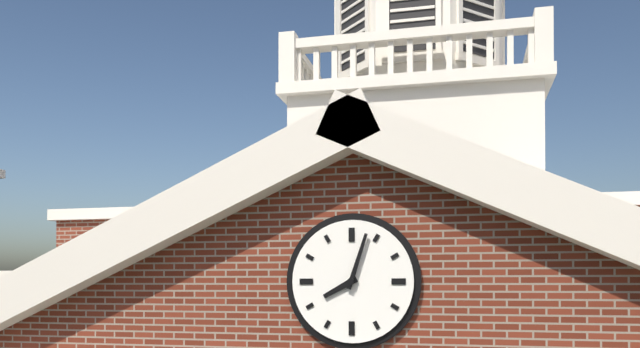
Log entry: {"hour": 8, "minute": 3}
